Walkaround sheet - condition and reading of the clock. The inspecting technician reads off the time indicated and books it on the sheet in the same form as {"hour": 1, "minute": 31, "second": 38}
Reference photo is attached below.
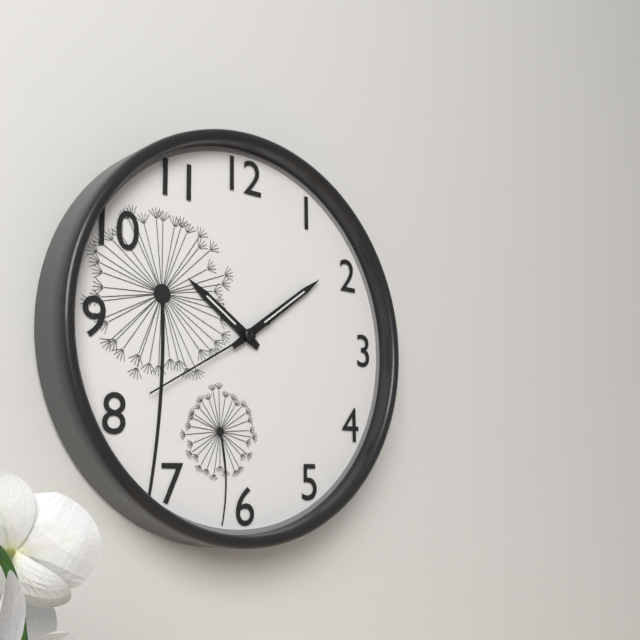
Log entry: {"hour": 10, "minute": 9, "second": 40}
